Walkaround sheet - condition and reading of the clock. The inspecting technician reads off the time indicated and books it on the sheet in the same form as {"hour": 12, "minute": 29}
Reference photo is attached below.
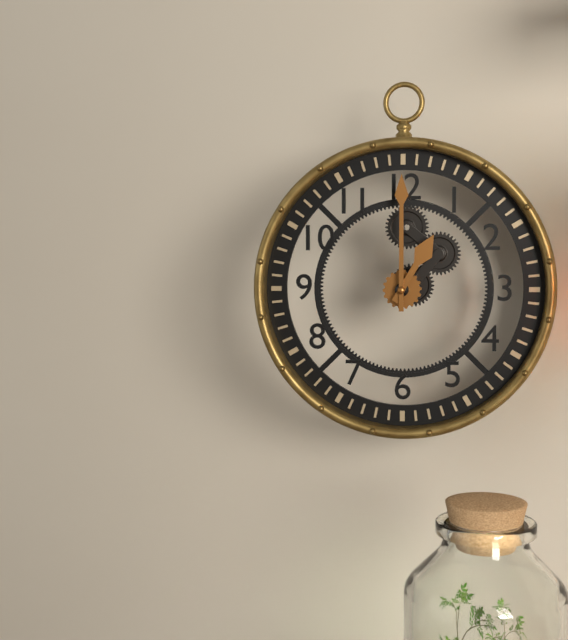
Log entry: {"hour": 1, "minute": 0}
